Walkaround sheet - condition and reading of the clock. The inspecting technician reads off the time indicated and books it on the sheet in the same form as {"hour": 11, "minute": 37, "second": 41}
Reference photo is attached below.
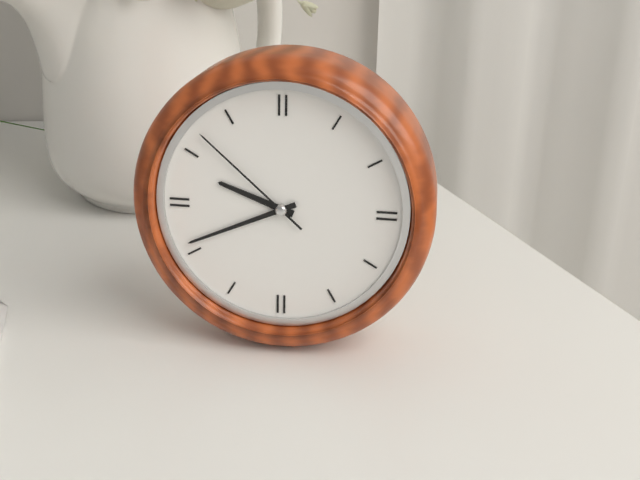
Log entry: {"hour": 9, "minute": 41, "second": 52}
